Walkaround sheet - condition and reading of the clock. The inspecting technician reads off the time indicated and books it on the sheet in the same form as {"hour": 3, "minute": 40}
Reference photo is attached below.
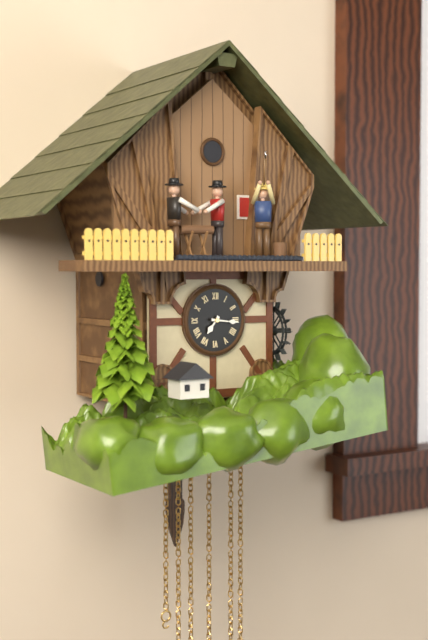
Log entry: {"hour": 7, "minute": 16}
